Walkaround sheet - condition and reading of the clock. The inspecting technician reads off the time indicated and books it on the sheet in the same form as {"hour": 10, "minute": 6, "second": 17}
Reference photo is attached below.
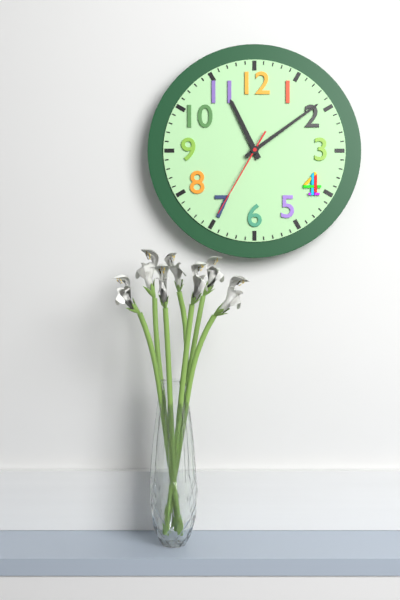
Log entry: {"hour": 11, "minute": 9, "second": 35}
